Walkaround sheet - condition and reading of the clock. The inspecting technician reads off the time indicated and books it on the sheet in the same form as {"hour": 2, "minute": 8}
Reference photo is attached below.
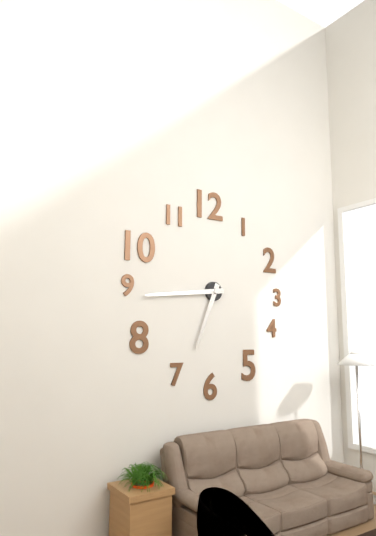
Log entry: {"hour": 6, "minute": 44}
